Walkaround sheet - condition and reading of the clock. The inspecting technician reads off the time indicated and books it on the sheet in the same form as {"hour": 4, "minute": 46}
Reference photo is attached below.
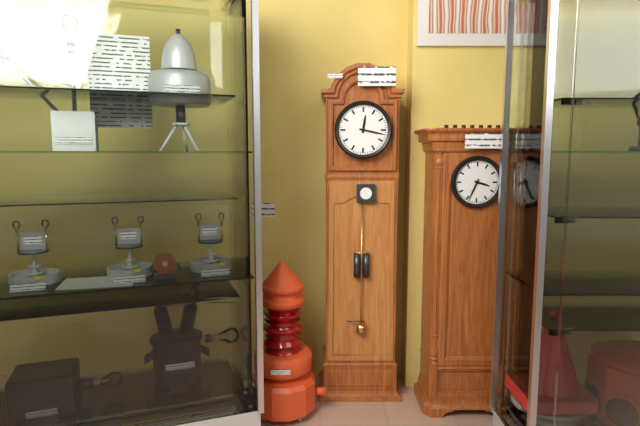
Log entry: {"hour": 12, "minute": 17}
